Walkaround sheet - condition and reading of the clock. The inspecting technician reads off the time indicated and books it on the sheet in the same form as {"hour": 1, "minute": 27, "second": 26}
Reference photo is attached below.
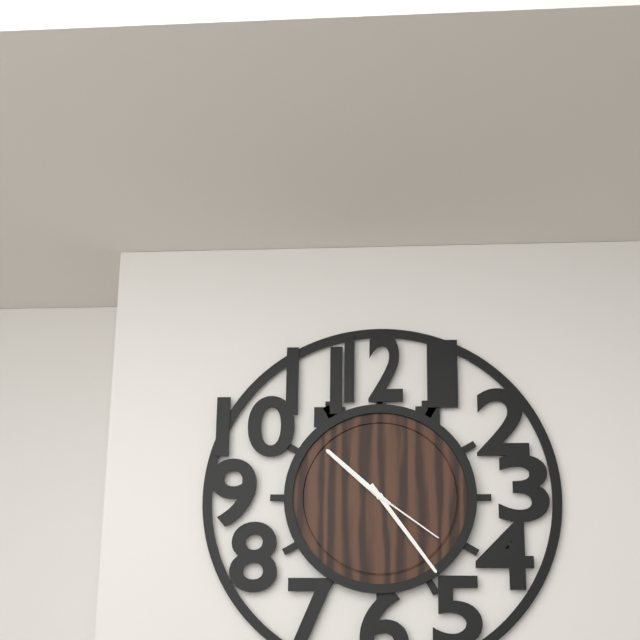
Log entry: {"hour": 10, "minute": 24, "second": 21}
